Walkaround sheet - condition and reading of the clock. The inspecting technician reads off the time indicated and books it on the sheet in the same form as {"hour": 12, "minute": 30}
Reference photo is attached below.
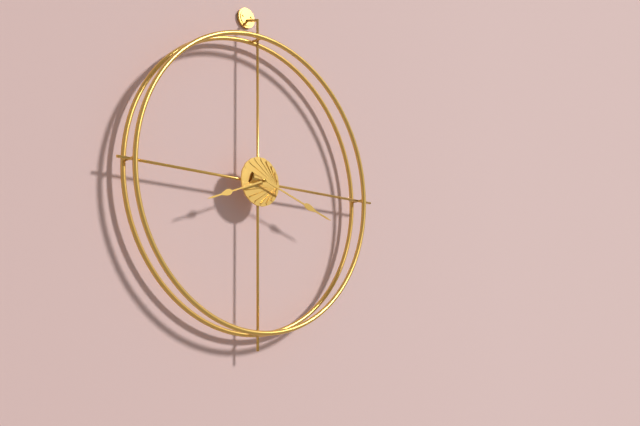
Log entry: {"hour": 8, "minute": 18}
